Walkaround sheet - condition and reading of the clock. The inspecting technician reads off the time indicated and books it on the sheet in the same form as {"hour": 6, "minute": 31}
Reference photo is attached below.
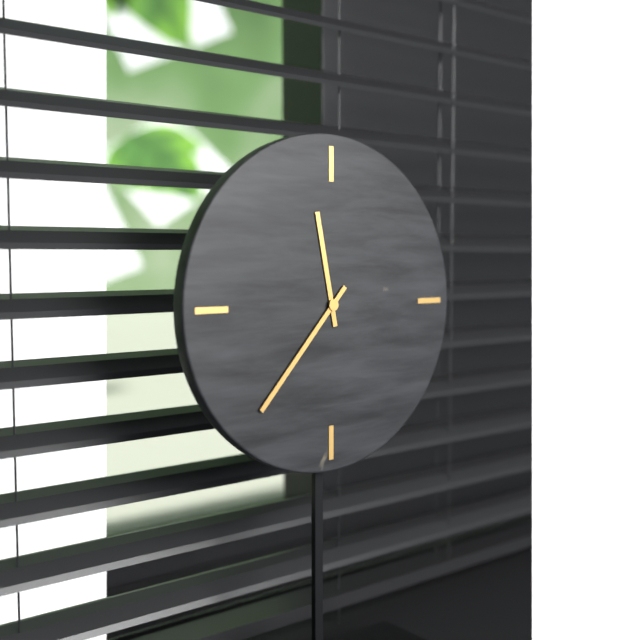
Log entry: {"hour": 11, "minute": 37}
